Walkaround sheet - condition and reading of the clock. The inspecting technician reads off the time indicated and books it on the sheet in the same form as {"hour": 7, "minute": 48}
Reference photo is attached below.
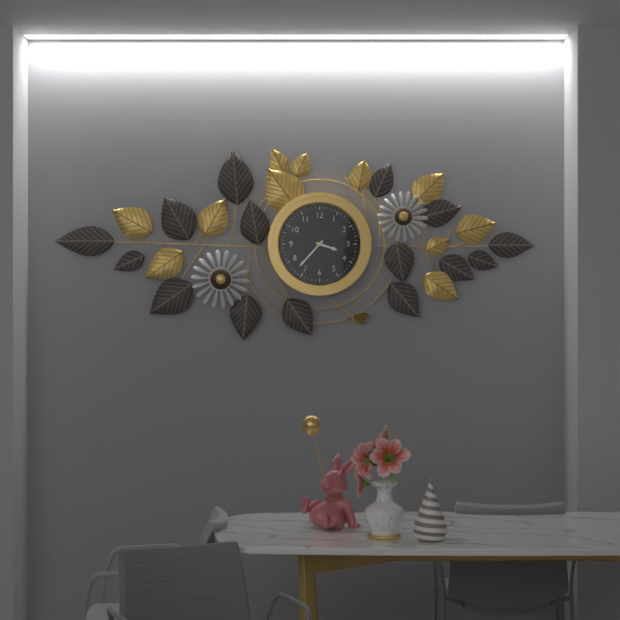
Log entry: {"hour": 3, "minute": 37}
